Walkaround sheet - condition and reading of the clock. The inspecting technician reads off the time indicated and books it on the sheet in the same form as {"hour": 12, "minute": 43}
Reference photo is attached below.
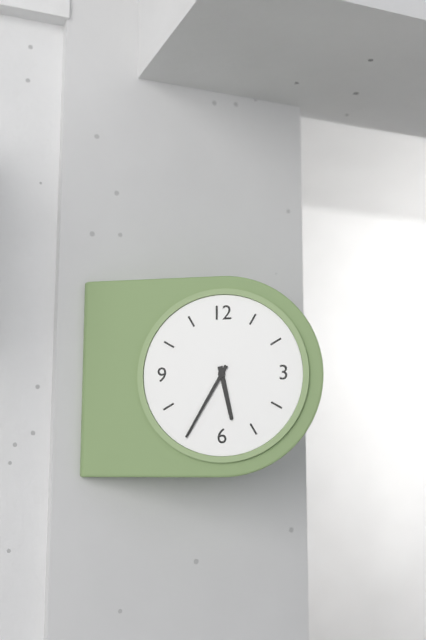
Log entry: {"hour": 5, "minute": 35}
